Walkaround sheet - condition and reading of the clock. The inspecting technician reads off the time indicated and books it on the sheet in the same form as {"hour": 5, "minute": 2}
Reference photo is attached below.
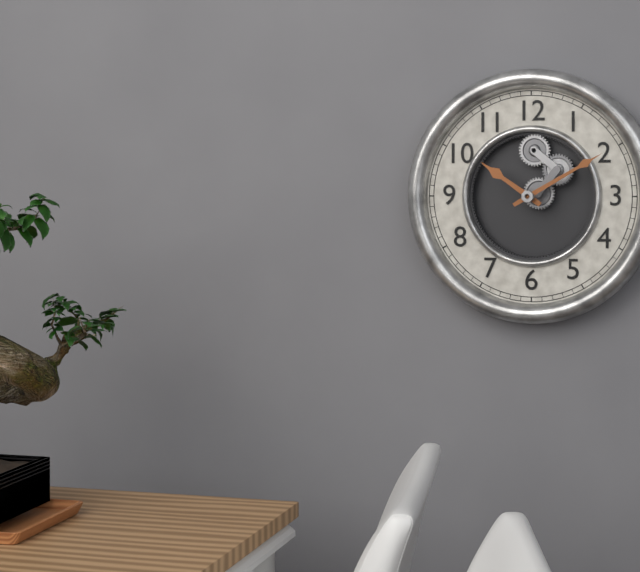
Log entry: {"hour": 10, "minute": 10}
